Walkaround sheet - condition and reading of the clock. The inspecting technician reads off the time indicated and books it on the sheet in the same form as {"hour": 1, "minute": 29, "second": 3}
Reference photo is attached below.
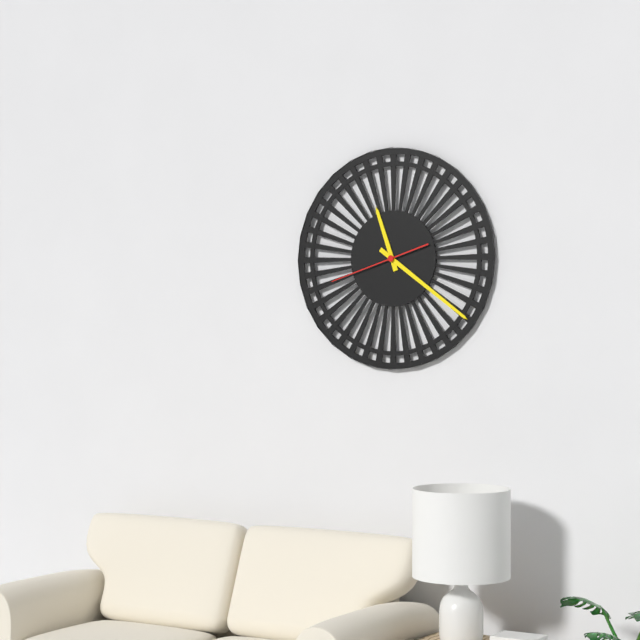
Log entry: {"hour": 11, "minute": 21, "second": 42}
